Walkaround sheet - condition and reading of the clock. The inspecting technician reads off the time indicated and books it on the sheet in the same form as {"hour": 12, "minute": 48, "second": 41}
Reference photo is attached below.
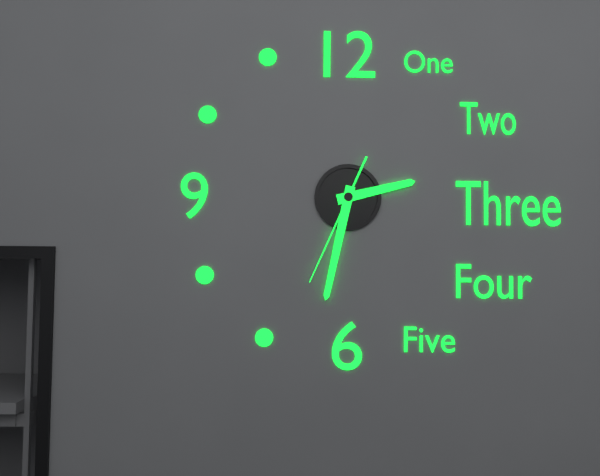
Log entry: {"hour": 2, "minute": 32, "second": 34}
